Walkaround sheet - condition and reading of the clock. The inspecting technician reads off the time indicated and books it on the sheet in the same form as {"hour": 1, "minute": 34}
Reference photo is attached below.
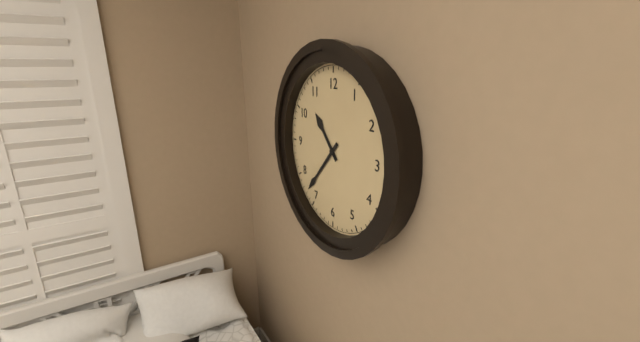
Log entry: {"hour": 10, "minute": 37}
